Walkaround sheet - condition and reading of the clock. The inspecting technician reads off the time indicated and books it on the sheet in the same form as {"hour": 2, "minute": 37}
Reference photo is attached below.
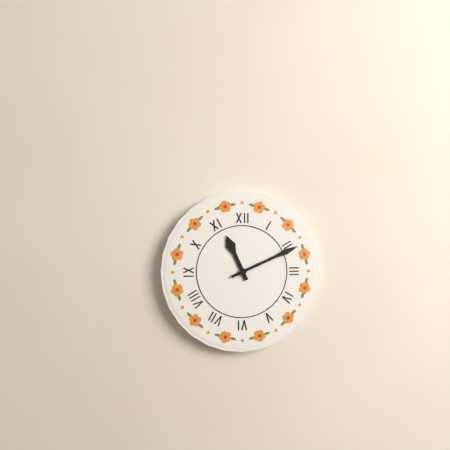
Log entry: {"hour": 11, "minute": 11}
